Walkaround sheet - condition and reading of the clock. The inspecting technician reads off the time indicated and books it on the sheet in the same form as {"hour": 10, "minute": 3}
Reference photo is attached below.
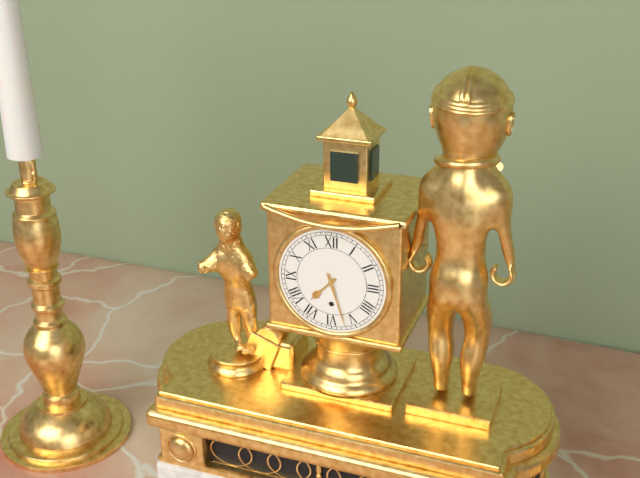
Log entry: {"hour": 7, "minute": 27}
